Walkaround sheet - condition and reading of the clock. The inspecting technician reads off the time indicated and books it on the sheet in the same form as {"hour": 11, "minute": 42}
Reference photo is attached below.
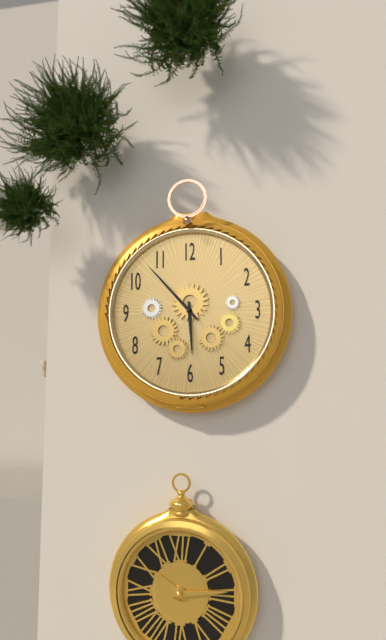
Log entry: {"hour": 5, "minute": 53}
